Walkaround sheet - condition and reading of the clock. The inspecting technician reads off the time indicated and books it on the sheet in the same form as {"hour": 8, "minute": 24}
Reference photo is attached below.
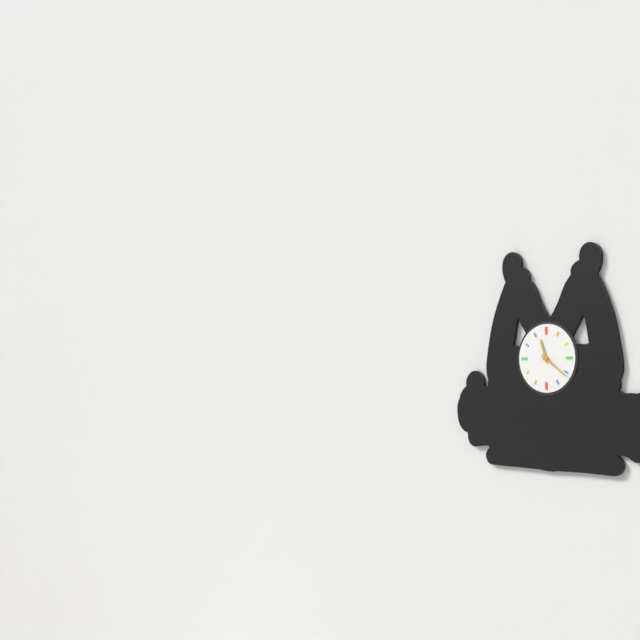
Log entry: {"hour": 11, "minute": 21}
